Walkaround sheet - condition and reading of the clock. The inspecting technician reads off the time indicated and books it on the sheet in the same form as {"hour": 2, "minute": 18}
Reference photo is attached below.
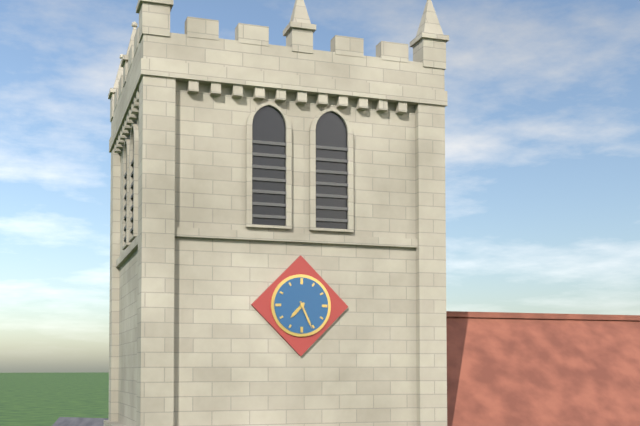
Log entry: {"hour": 7, "minute": 26}
